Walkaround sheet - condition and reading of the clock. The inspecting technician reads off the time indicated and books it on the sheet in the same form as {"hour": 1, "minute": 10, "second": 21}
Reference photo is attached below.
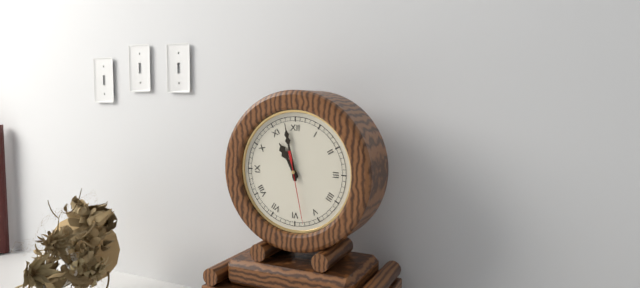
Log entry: {"hour": 10, "minute": 58, "second": 28}
